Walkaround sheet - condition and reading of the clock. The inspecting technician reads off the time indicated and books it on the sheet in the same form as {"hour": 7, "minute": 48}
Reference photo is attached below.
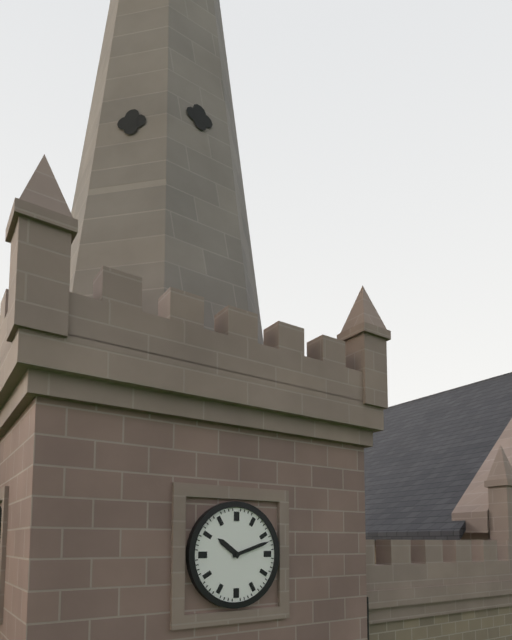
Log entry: {"hour": 10, "minute": 12}
